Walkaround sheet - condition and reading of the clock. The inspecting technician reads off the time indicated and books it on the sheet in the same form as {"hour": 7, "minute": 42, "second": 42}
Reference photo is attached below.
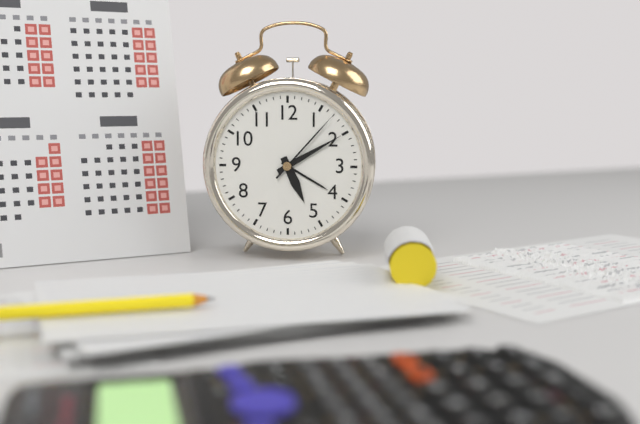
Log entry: {"hour": 5, "minute": 10, "second": 7}
